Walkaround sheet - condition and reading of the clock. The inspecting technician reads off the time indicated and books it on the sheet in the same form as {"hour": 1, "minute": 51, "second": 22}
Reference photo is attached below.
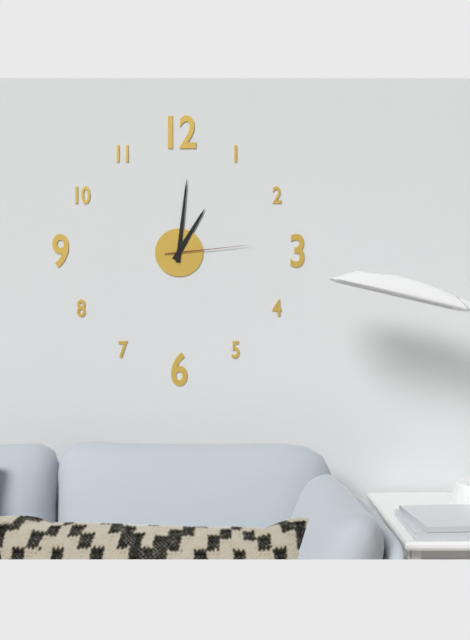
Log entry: {"hour": 1, "minute": 1, "second": 14}
